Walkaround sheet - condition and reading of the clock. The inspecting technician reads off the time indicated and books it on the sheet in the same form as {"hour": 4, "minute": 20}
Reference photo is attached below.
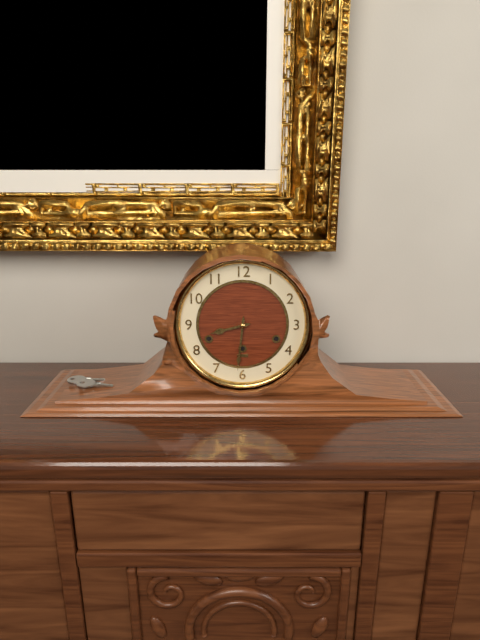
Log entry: {"hour": 8, "minute": 31}
